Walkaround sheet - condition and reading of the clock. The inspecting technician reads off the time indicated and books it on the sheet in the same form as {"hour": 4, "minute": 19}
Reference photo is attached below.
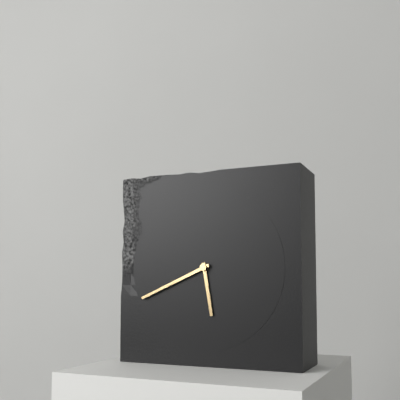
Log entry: {"hour": 5, "minute": 41}
